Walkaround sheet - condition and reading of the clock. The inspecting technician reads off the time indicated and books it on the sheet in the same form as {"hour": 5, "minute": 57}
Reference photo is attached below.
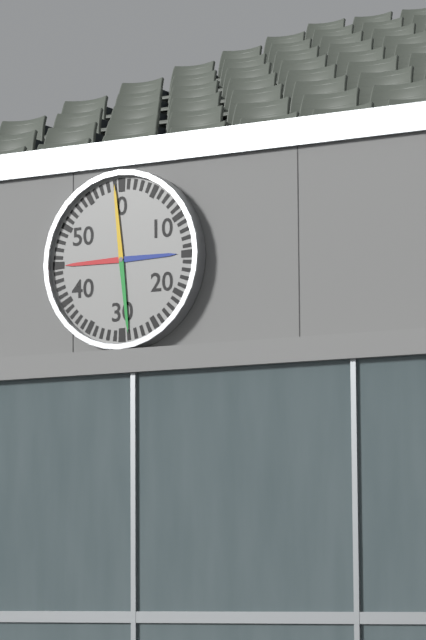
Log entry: {"hour": 8, "minute": 59}
